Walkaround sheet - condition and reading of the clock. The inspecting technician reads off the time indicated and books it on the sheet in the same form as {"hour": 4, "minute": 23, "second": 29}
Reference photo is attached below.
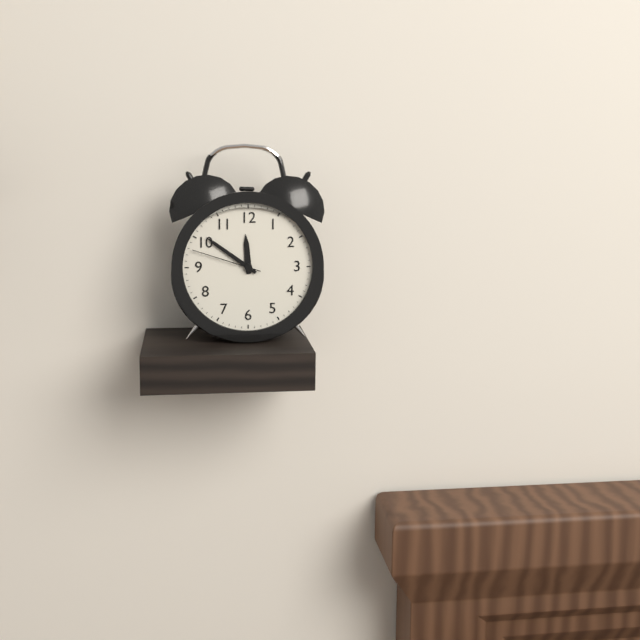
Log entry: {"hour": 11, "minute": 51, "second": 48}
